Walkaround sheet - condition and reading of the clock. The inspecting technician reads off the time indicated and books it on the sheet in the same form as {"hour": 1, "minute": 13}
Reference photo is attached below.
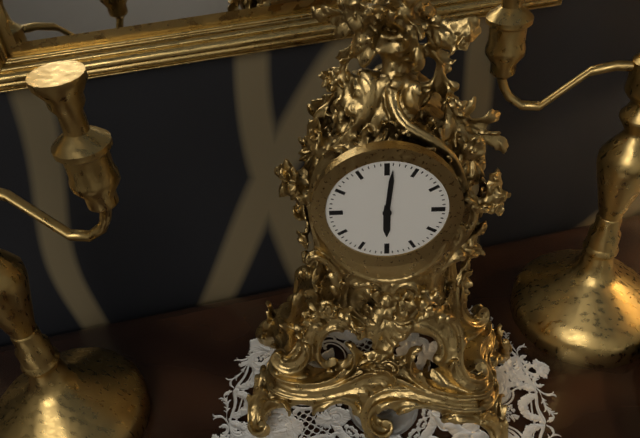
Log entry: {"hour": 6, "minute": 1}
